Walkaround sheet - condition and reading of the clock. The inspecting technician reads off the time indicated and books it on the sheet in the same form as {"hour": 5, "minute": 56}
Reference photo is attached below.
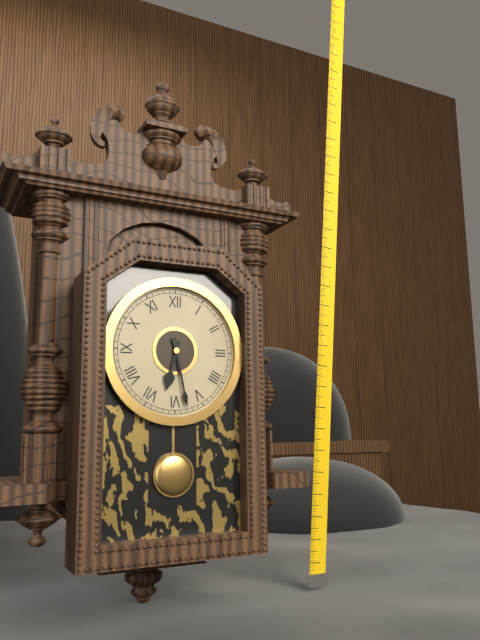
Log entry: {"hour": 6, "minute": 28}
